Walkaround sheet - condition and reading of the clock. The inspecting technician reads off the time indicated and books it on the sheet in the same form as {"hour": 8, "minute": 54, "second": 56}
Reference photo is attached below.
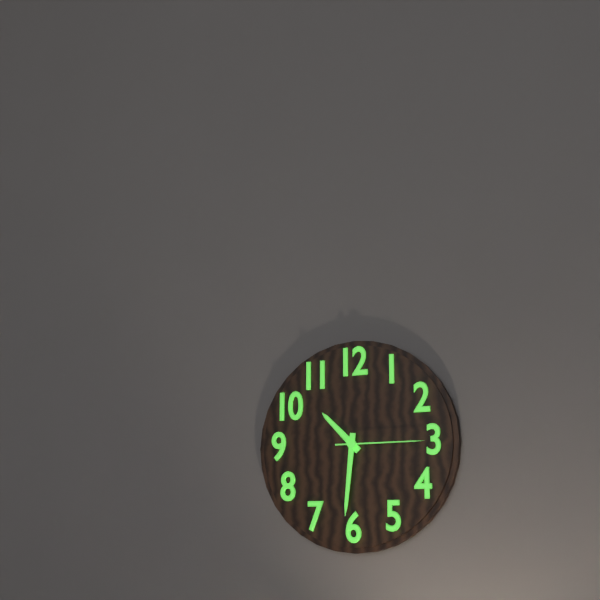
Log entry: {"hour": 10, "minute": 31, "second": 15}
